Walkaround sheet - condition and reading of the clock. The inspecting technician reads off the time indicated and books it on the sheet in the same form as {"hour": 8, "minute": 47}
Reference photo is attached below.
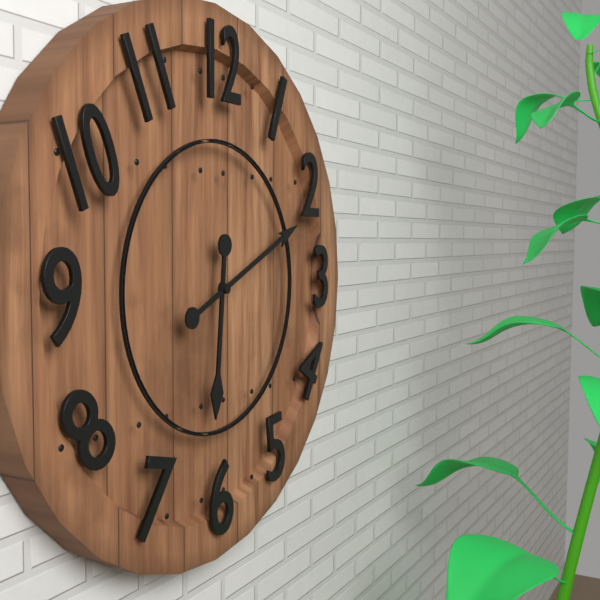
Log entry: {"hour": 6, "minute": 11}
